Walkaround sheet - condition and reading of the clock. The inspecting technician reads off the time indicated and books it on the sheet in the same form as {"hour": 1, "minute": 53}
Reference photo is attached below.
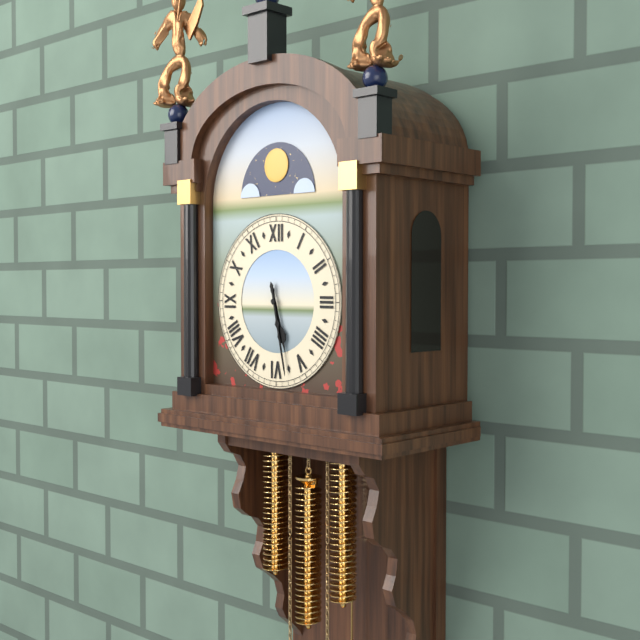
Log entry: {"hour": 5, "minute": 28}
